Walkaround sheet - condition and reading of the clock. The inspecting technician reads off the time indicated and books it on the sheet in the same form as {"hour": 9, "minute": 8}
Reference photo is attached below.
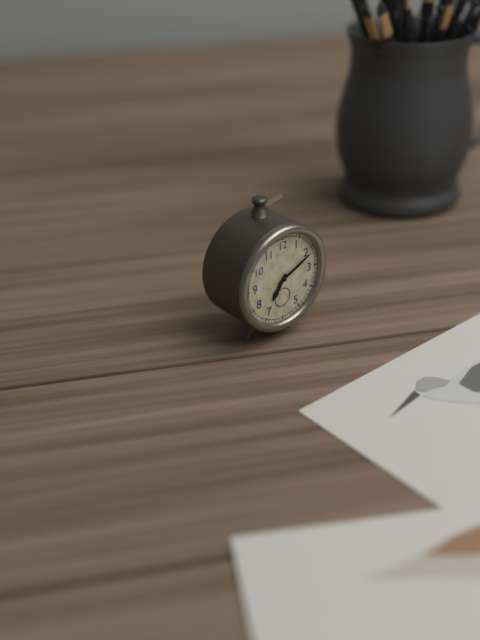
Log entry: {"hour": 7, "minute": 11}
